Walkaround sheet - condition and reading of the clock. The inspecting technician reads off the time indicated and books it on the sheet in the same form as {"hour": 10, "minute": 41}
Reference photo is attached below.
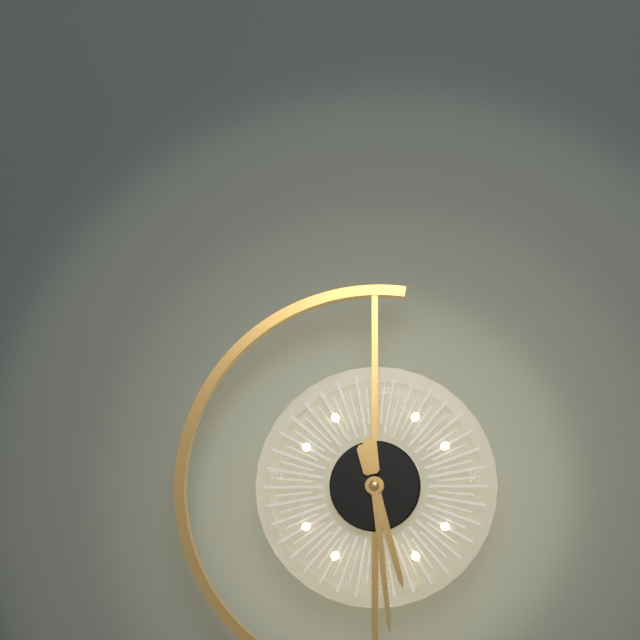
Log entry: {"hour": 5, "minute": 29}
